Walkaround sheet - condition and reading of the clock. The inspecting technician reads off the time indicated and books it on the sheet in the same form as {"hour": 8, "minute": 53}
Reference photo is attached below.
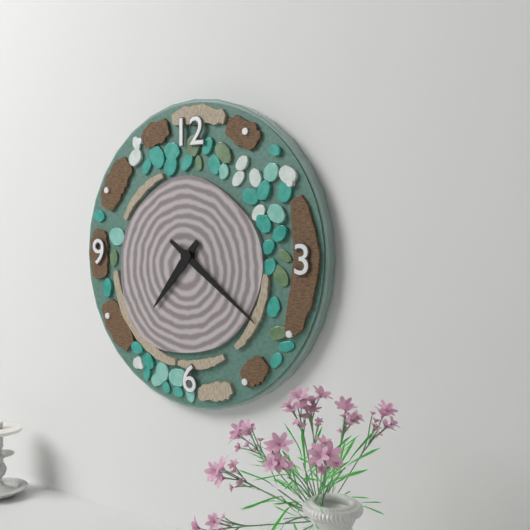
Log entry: {"hour": 7, "minute": 21}
